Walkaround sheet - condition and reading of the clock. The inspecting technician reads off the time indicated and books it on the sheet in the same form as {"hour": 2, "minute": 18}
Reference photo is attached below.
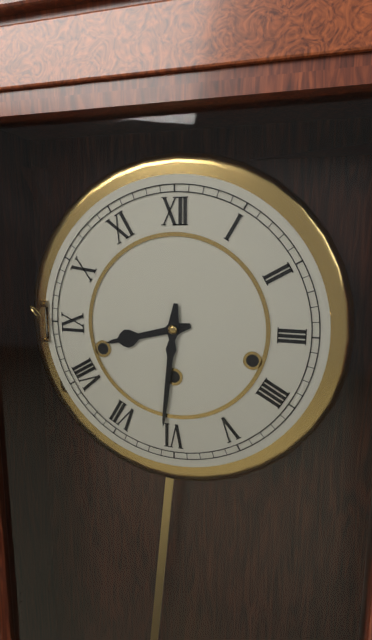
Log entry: {"hour": 8, "minute": 31}
